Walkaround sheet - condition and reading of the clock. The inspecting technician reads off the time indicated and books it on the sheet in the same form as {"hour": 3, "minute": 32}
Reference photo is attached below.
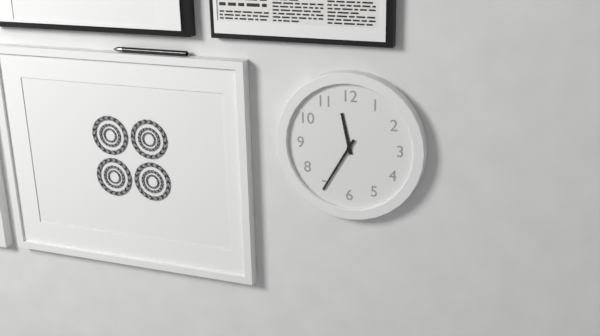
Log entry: {"hour": 11, "minute": 35}
